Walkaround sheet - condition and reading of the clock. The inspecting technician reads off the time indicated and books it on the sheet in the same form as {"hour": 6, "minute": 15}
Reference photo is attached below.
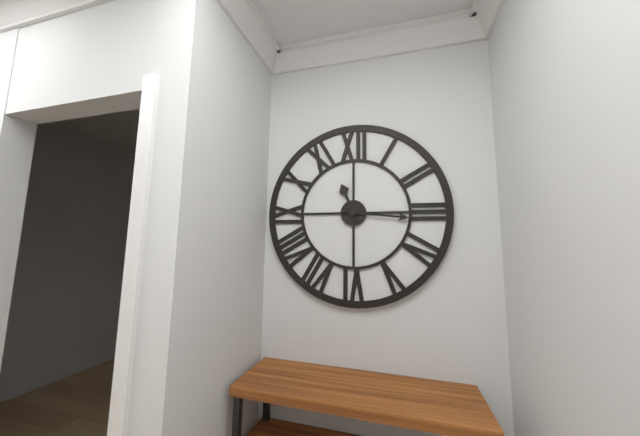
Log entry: {"hour": 11, "minute": 16}
